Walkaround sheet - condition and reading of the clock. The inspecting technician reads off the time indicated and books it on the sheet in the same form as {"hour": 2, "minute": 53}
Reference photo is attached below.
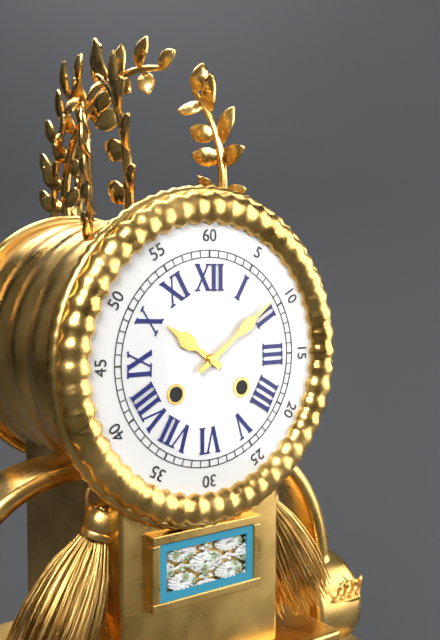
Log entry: {"hour": 10, "minute": 9}
